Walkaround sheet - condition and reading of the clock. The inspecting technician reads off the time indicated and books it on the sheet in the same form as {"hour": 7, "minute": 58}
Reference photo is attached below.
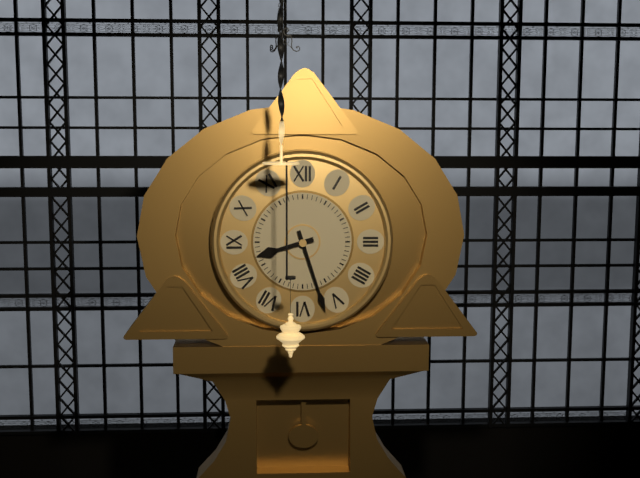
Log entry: {"hour": 8, "minute": 27}
